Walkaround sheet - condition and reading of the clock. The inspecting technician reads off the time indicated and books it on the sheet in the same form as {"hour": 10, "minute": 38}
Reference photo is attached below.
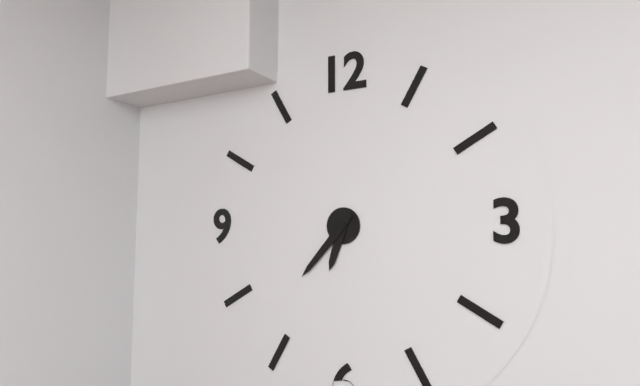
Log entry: {"hour": 6, "minute": 37}
